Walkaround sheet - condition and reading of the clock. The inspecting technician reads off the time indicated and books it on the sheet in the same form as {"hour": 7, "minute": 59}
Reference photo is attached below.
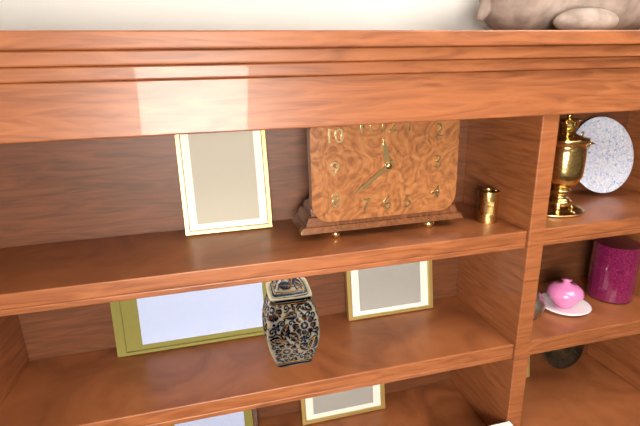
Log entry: {"hour": 11, "minute": 39}
